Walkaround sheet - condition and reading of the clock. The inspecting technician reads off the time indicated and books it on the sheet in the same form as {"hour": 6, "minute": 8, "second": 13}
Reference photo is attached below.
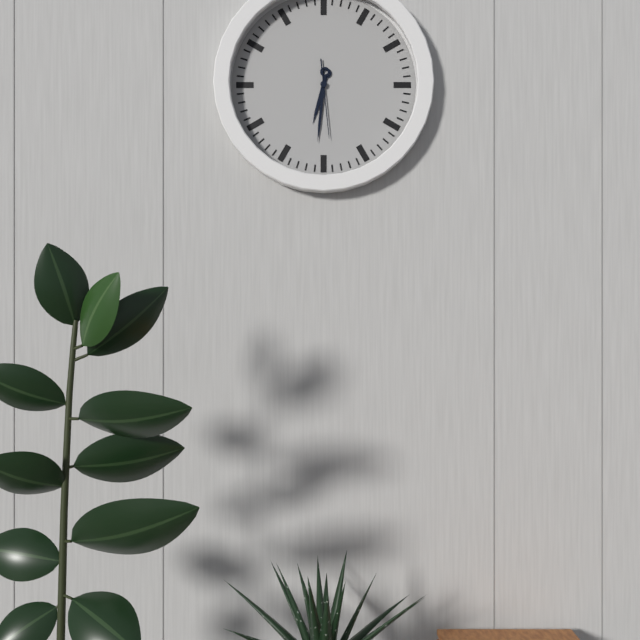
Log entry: {"hour": 6, "minute": 31, "second": 29}
